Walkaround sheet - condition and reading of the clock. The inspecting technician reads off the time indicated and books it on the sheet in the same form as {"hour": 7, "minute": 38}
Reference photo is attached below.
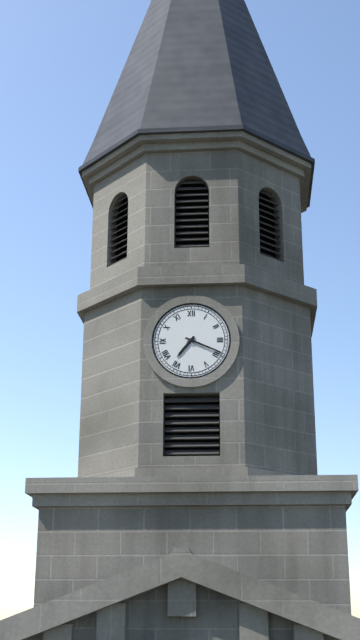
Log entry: {"hour": 7, "minute": 19}
